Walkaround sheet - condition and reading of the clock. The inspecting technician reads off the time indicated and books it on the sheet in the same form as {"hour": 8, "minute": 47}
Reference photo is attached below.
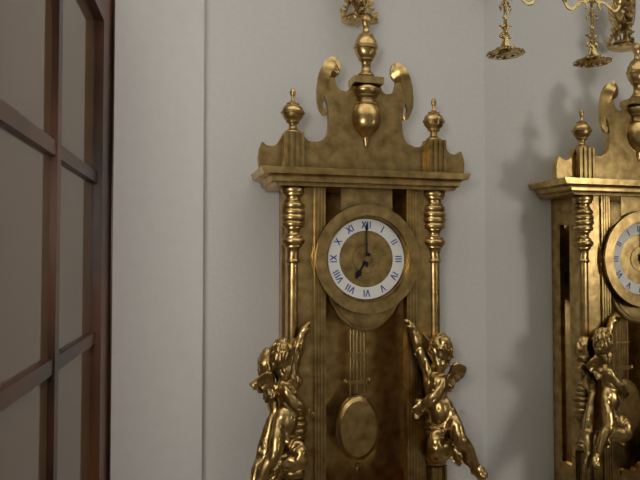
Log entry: {"hour": 7, "minute": 0}
